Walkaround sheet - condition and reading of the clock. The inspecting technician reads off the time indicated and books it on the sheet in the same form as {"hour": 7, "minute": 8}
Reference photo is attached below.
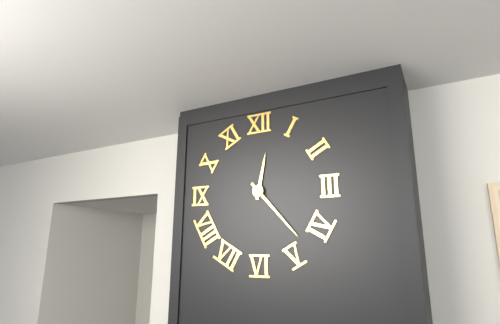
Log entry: {"hour": 12, "minute": 23}
